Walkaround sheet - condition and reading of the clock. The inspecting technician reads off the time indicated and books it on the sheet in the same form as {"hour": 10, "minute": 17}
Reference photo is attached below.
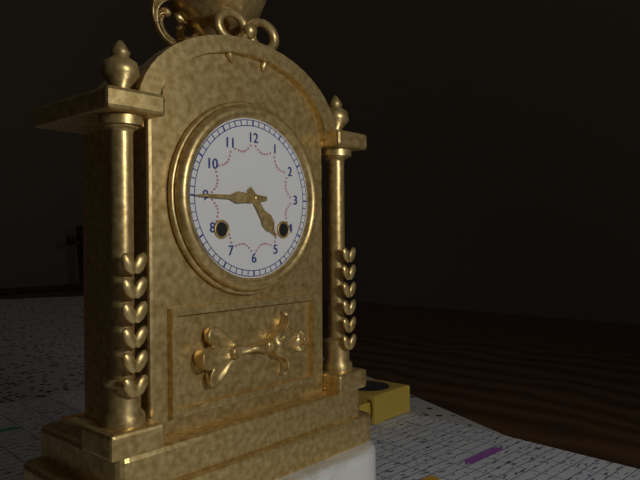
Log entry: {"hour": 4, "minute": 45}
